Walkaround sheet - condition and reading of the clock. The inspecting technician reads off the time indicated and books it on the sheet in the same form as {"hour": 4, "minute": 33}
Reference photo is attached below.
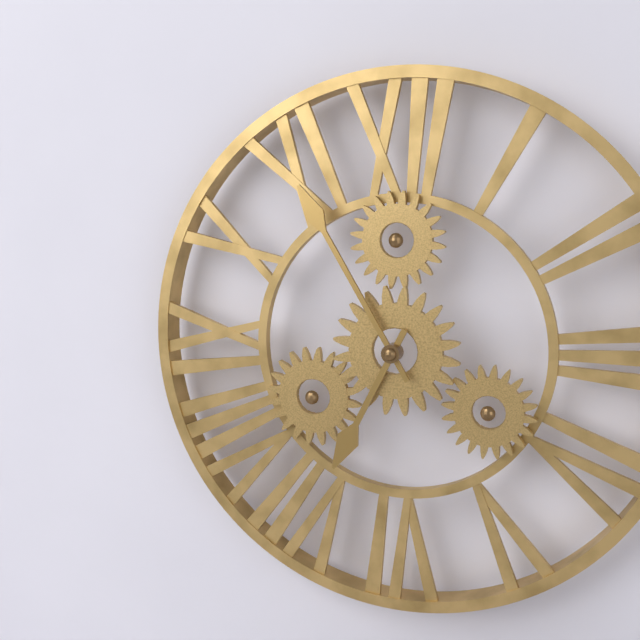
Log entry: {"hour": 6, "minute": 55}
